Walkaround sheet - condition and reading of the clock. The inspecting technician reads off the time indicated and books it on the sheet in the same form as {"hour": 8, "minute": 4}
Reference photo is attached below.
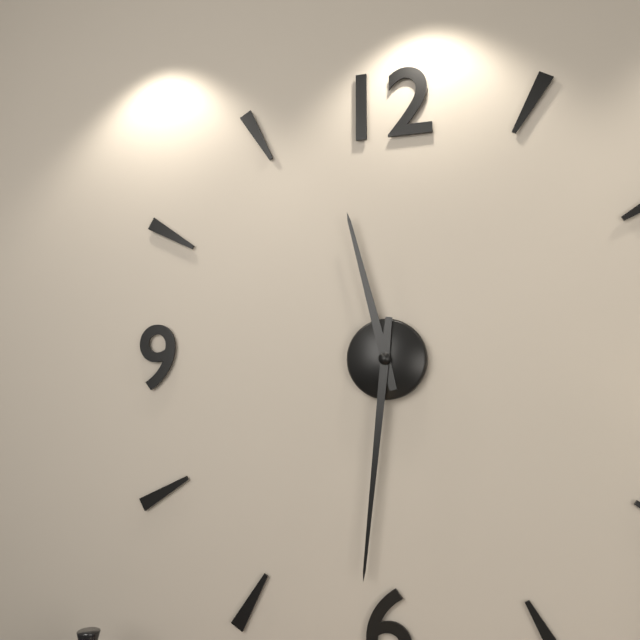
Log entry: {"hour": 11, "minute": 31}
